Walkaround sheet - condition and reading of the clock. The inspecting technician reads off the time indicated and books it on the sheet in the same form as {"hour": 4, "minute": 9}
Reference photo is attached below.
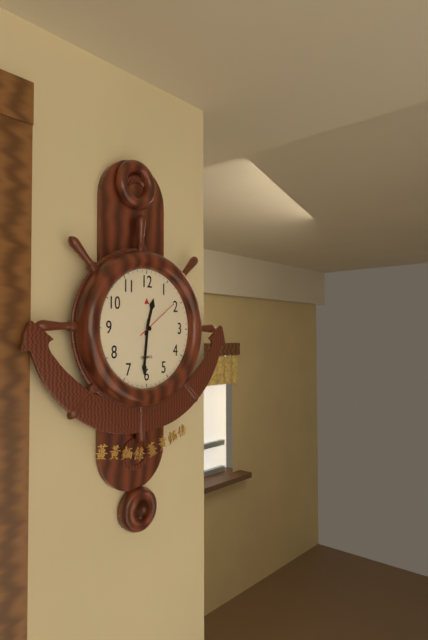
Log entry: {"hour": 12, "minute": 31}
